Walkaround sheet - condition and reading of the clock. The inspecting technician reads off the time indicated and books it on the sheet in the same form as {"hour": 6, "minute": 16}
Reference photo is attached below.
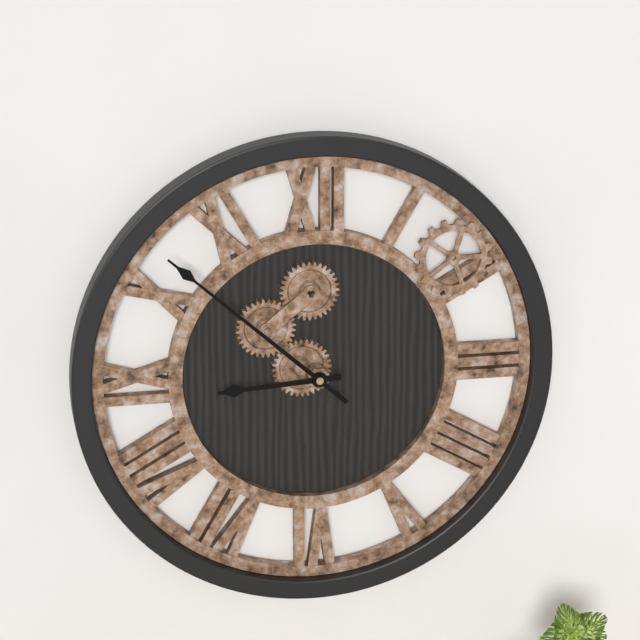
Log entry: {"hour": 8, "minute": 52}
